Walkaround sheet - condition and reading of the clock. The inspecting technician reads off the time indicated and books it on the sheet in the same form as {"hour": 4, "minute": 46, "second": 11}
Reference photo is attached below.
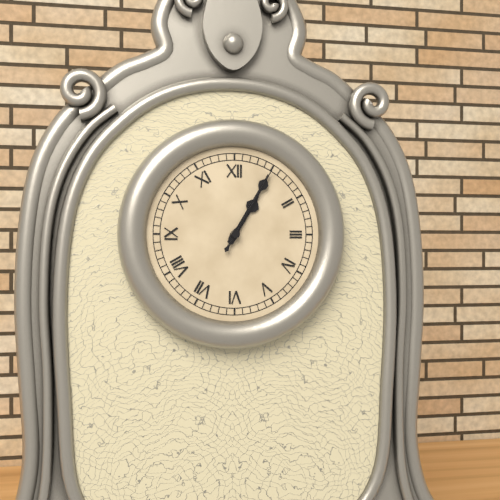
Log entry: {"hour": 1, "minute": 5, "second": 5}
